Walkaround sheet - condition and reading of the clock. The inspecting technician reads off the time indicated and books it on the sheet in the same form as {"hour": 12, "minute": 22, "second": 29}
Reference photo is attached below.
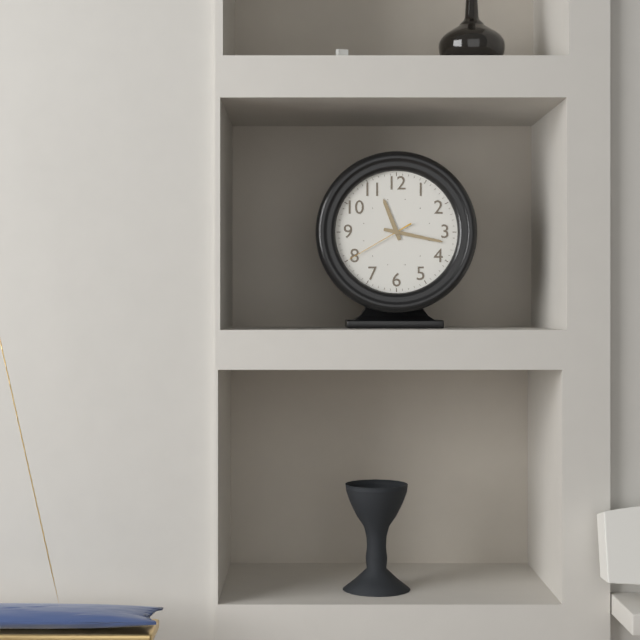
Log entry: {"hour": 11, "minute": 17, "second": 40}
